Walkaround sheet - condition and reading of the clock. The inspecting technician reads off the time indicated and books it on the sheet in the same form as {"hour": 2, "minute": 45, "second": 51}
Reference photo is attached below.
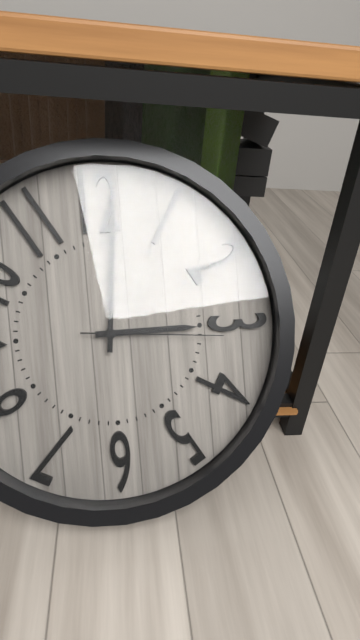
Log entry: {"hour": 3, "minute": 1, "second": 16}
